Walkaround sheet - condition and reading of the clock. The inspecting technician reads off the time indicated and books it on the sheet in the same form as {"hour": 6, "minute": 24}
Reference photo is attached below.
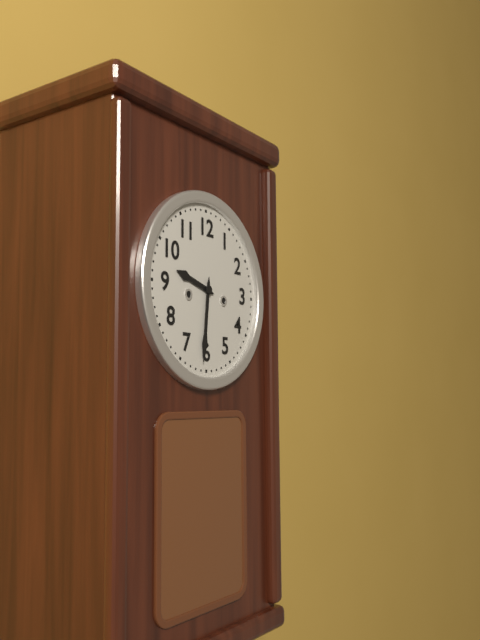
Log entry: {"hour": 9, "minute": 31}
